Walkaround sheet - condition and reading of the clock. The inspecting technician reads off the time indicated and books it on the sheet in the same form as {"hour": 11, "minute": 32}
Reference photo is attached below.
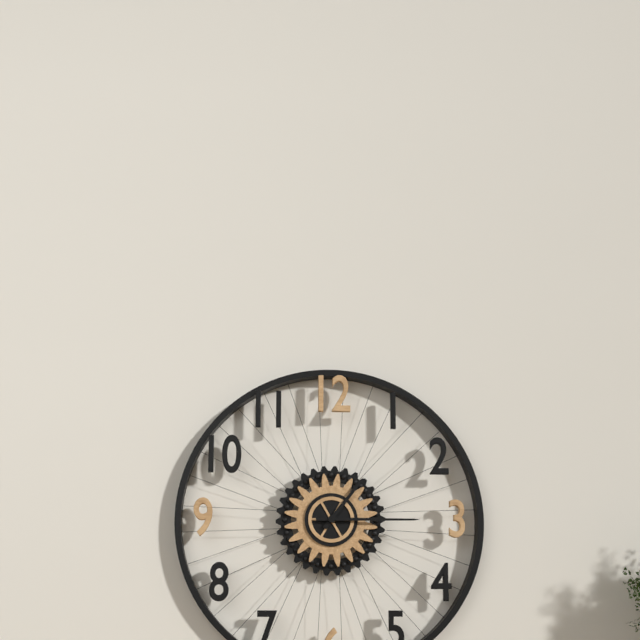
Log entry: {"hour": 1, "minute": 15}
